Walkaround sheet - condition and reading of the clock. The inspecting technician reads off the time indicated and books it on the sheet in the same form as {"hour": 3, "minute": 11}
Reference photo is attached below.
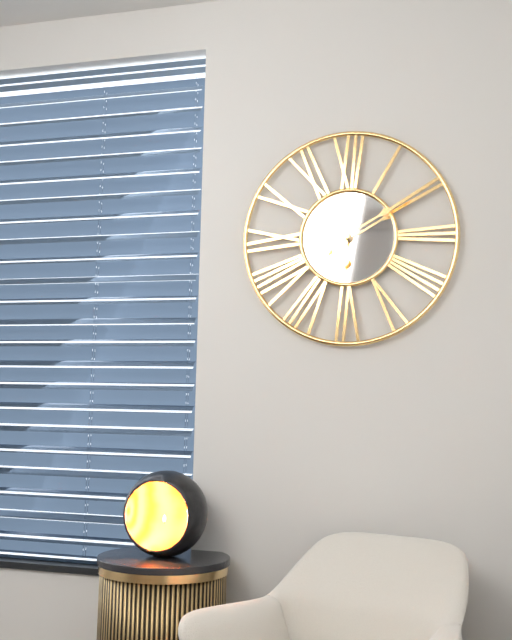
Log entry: {"hour": 6, "minute": 10}
